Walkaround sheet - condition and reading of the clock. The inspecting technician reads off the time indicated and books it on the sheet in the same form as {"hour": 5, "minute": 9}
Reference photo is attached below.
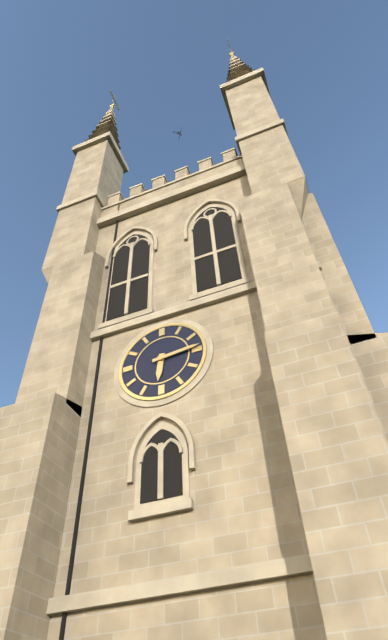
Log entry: {"hour": 6, "minute": 14}
